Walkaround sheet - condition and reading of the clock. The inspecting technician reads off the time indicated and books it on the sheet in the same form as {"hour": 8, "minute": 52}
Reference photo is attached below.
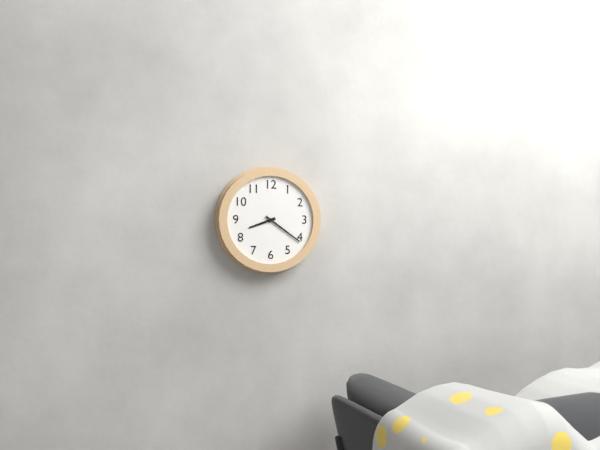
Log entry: {"hour": 8, "minute": 21}
